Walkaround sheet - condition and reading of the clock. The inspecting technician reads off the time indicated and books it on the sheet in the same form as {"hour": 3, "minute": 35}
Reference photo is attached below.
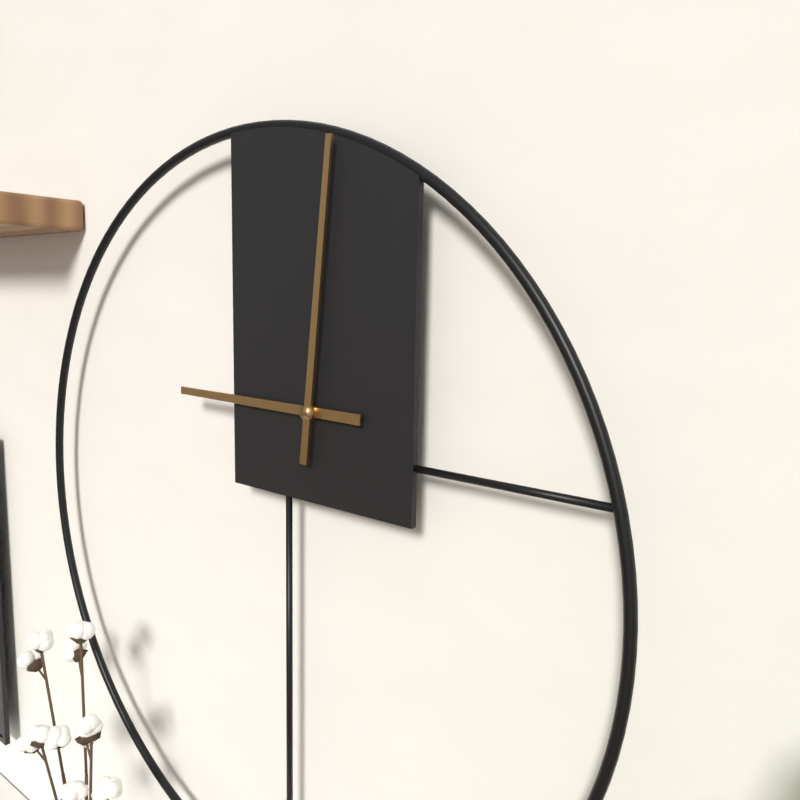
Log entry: {"hour": 9, "minute": 1}
